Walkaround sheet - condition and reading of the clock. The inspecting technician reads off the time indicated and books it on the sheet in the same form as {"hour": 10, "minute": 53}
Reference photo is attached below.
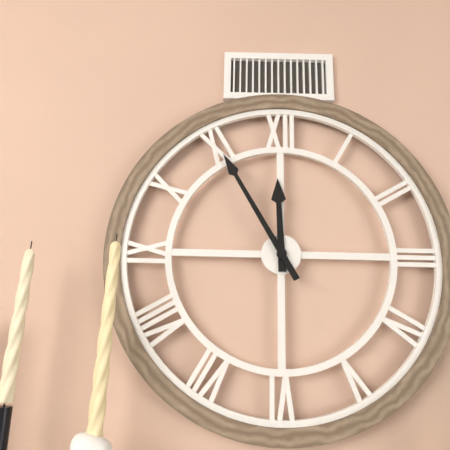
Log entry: {"hour": 11, "minute": 55}
